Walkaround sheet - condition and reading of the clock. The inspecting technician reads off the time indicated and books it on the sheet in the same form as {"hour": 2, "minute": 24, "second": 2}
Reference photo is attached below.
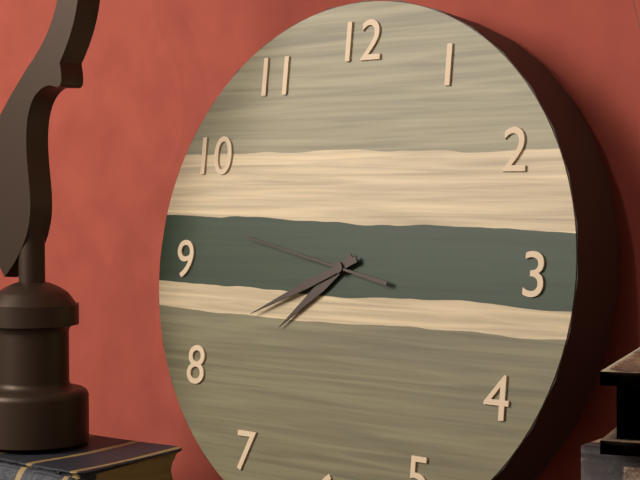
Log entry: {"hour": 7, "minute": 41, "second": 47}
